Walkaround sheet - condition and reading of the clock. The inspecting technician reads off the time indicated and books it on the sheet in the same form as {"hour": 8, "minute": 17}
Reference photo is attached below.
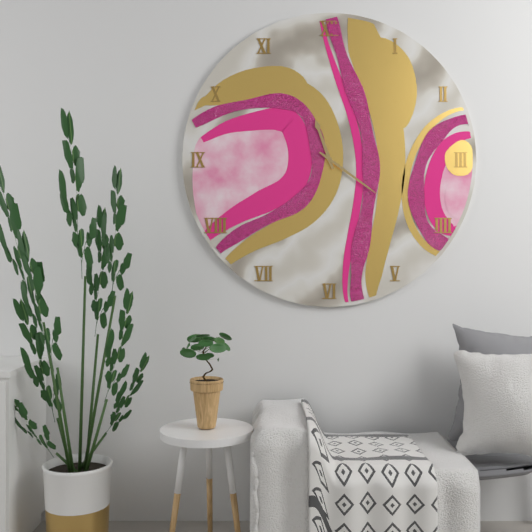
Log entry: {"hour": 11, "minute": 21}
